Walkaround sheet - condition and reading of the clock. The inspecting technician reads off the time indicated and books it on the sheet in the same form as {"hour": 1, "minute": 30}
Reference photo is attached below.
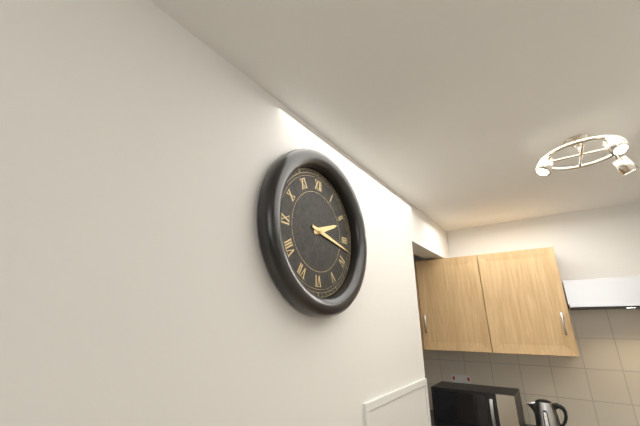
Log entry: {"hour": 2, "minute": 17}
